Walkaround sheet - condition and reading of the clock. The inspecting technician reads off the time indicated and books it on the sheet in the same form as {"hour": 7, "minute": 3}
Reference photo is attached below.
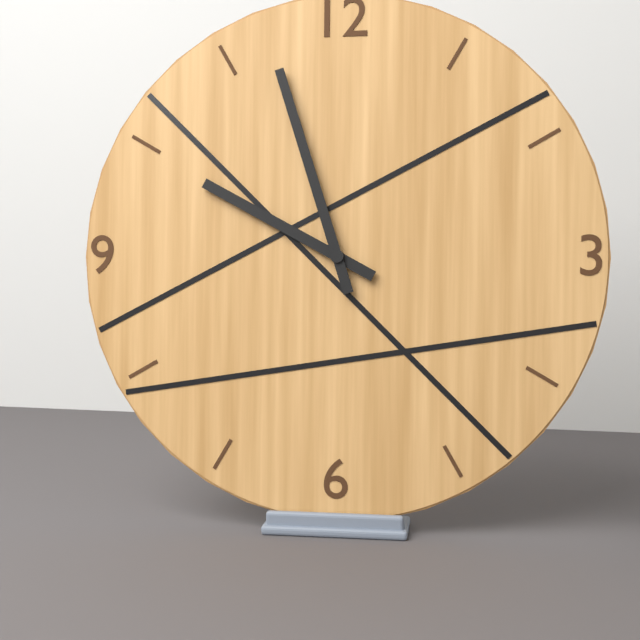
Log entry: {"hour": 9, "minute": 57}
